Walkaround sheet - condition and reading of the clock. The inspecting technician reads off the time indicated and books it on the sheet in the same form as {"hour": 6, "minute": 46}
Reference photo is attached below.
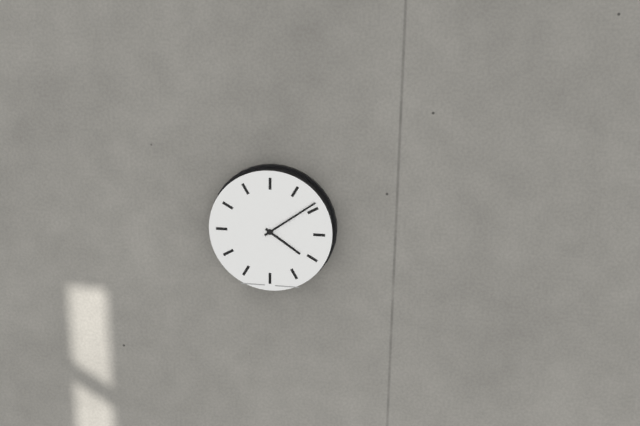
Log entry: {"hour": 4, "minute": 9}
